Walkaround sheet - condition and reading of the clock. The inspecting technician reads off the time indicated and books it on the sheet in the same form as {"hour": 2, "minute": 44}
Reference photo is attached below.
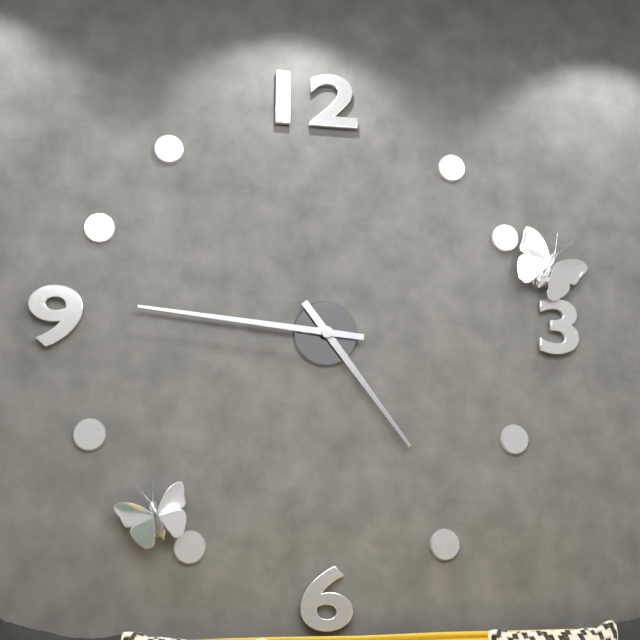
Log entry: {"hour": 4, "minute": 46}
